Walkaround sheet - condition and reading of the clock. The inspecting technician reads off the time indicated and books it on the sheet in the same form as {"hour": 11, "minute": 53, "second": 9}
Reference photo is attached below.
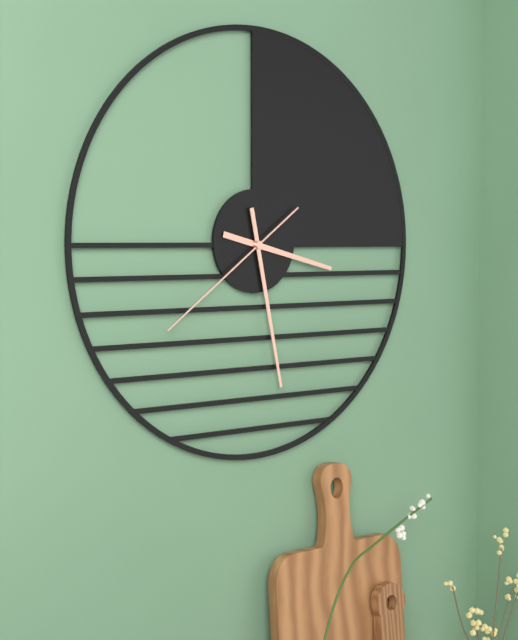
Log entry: {"hour": 3, "minute": 28, "second": 39}
